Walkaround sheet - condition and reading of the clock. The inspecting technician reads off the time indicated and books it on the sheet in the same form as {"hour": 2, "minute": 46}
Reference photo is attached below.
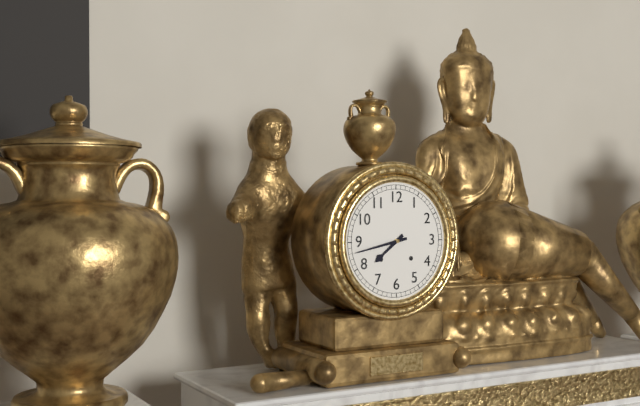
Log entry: {"hour": 7, "minute": 43}
